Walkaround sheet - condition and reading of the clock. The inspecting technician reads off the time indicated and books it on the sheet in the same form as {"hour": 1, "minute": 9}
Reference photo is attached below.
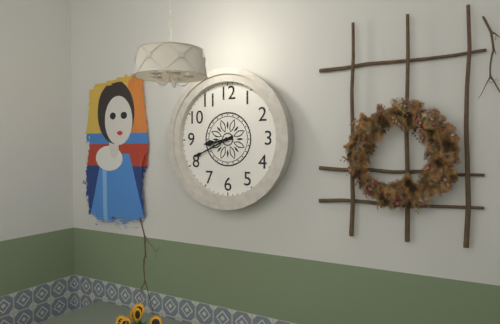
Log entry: {"hour": 8, "minute": 41}
